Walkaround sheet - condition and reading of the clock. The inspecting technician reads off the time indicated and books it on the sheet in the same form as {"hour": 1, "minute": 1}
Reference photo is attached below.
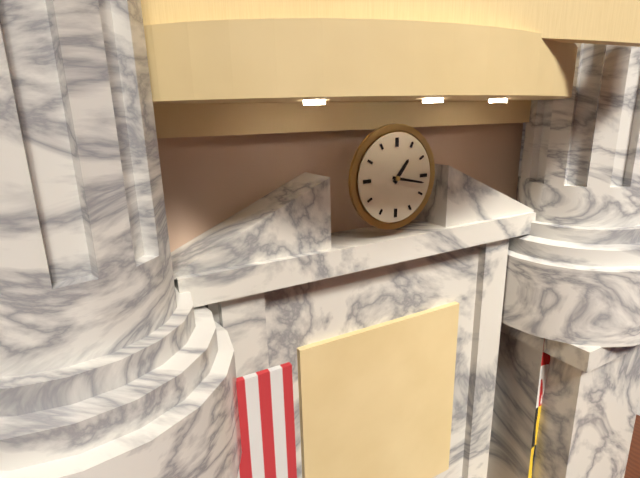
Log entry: {"hour": 1, "minute": 17}
